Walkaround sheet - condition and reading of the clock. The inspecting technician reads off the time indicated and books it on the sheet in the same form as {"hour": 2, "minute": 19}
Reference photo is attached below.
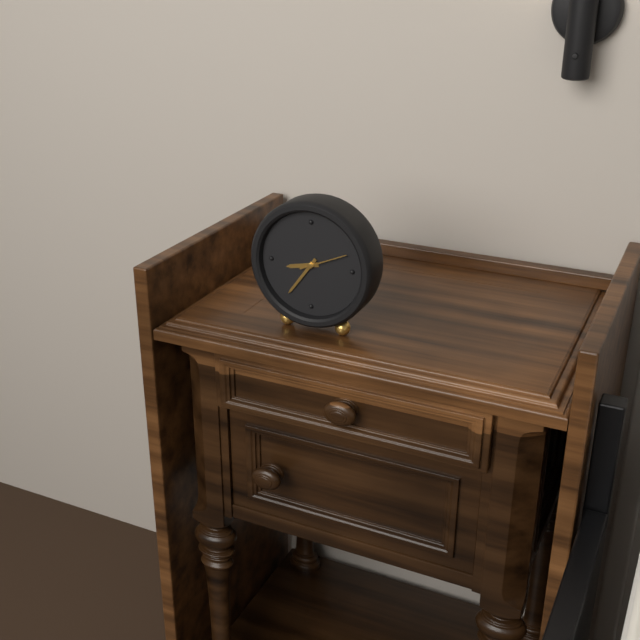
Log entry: {"hour": 8, "minute": 36}
